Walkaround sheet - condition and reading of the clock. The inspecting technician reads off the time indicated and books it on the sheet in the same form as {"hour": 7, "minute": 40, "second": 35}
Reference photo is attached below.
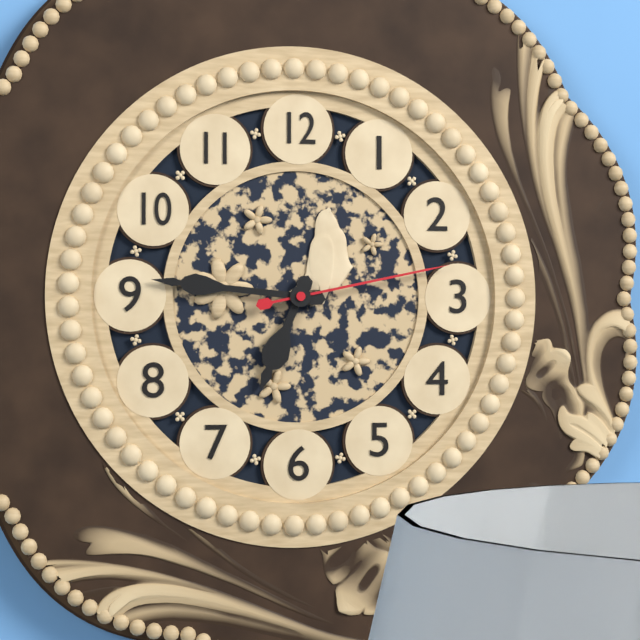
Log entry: {"hour": 6, "minute": 46, "second": 13}
